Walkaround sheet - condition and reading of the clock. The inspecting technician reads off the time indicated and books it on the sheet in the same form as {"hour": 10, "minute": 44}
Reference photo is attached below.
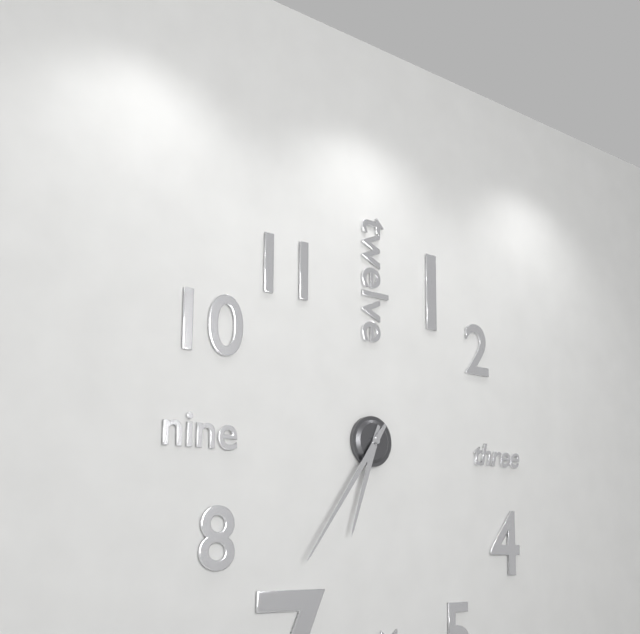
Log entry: {"hour": 6, "minute": 36}
